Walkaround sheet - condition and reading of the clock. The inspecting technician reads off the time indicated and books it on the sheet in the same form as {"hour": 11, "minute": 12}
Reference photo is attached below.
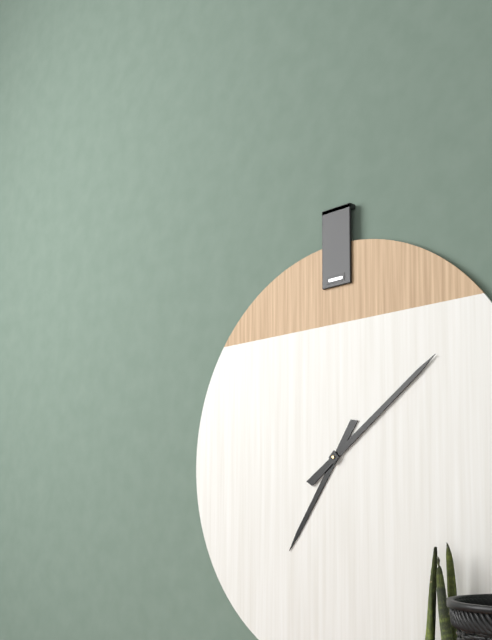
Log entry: {"hour": 7, "minute": 9}
